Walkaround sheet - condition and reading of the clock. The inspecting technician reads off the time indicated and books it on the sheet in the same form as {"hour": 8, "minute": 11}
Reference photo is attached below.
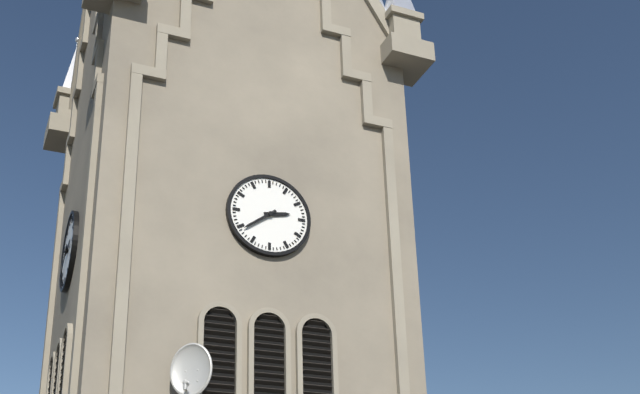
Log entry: {"hour": 2, "minute": 39}
